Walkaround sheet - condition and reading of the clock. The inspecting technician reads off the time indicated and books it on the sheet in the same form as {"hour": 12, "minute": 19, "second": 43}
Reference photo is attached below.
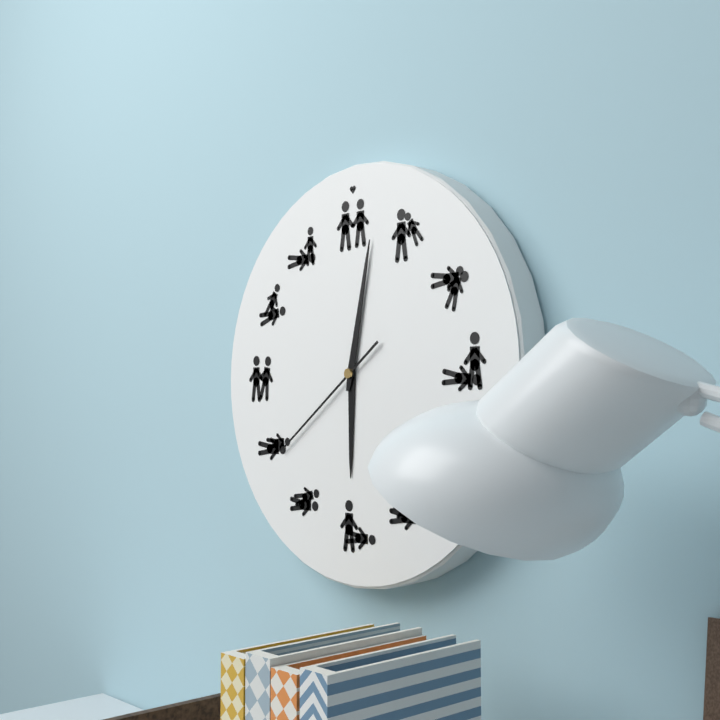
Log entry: {"hour": 6, "minute": 2, "second": 39}
